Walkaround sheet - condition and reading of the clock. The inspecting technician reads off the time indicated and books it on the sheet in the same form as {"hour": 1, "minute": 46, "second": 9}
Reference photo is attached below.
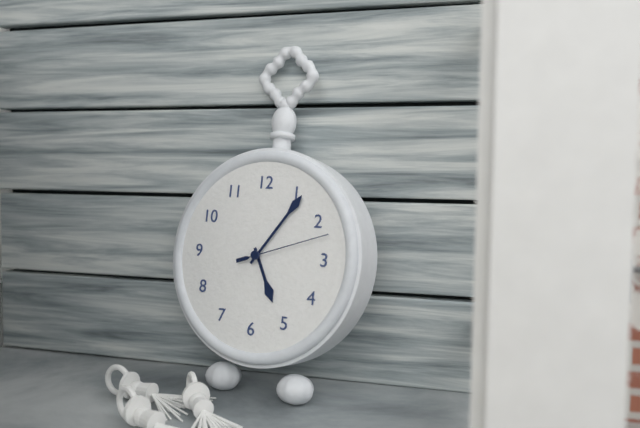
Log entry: {"hour": 5, "minute": 6, "second": 12}
